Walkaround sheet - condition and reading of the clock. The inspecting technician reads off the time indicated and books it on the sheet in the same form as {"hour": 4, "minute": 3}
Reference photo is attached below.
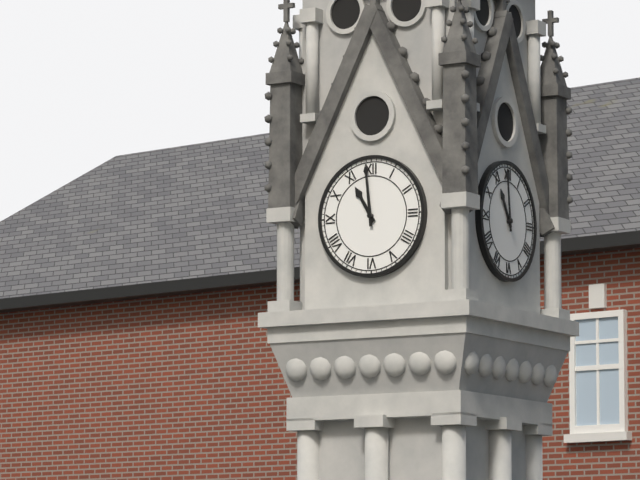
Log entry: {"hour": 10, "minute": 59}
